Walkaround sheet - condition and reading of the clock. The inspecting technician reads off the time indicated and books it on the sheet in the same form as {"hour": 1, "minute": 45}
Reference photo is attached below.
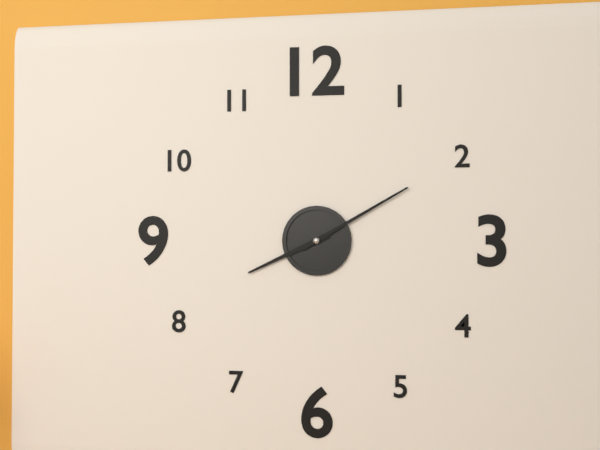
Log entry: {"hour": 8, "minute": 10}
